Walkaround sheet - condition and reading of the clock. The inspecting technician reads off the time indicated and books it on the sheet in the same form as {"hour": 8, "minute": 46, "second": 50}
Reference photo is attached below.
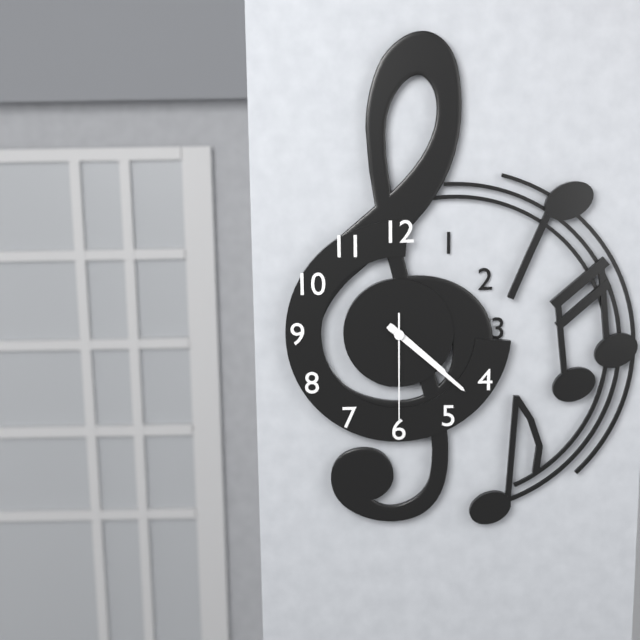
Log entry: {"hour": 4, "minute": 22, "second": 30}
